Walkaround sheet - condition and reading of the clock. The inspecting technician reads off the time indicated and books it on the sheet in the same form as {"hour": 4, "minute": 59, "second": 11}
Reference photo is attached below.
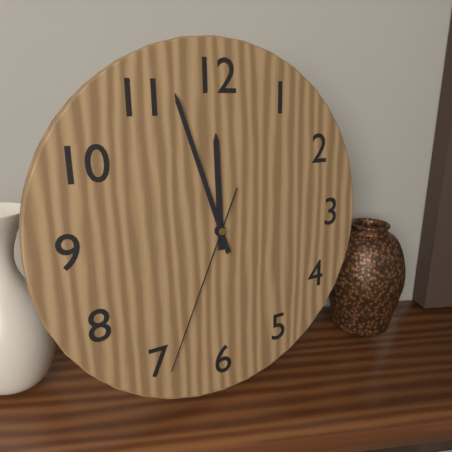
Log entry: {"hour": 11, "minute": 57, "second": 34}
